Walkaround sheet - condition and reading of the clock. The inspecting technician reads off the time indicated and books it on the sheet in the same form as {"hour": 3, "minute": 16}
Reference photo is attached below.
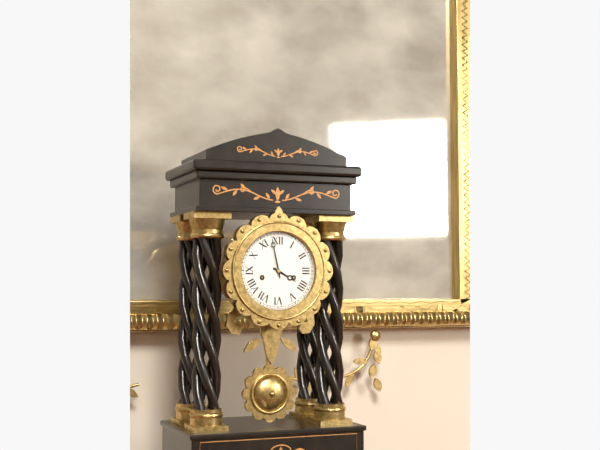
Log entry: {"hour": 3, "minute": 58}
